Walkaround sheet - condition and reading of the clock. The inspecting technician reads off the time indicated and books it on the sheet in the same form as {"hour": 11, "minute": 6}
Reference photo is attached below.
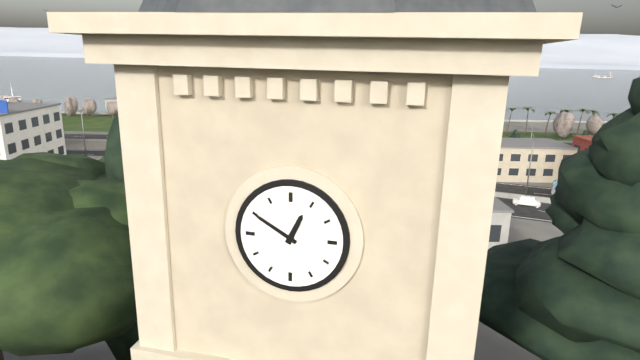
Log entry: {"hour": 12, "minute": 50}
